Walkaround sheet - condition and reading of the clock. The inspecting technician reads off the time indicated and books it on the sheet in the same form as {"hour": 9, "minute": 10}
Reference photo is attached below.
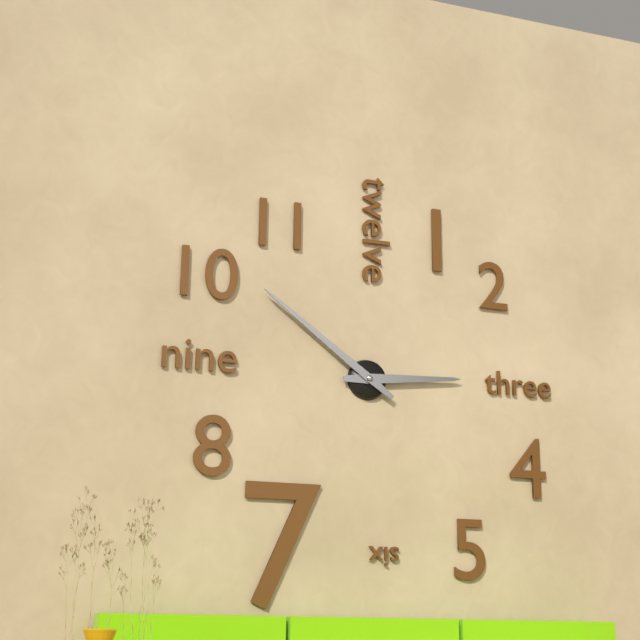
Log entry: {"hour": 2, "minute": 51}
